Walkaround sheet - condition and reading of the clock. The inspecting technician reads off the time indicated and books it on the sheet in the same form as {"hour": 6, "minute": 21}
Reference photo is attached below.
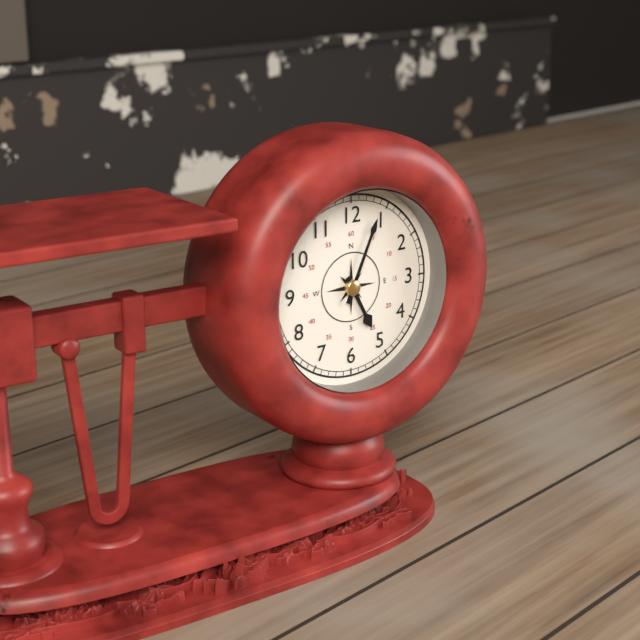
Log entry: {"hour": 5, "minute": 4}
